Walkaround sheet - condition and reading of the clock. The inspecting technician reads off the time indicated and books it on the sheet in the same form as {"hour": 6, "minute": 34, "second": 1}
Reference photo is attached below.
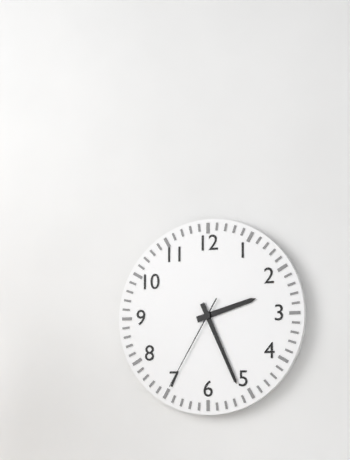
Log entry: {"hour": 2, "minute": 26, "second": 35}
